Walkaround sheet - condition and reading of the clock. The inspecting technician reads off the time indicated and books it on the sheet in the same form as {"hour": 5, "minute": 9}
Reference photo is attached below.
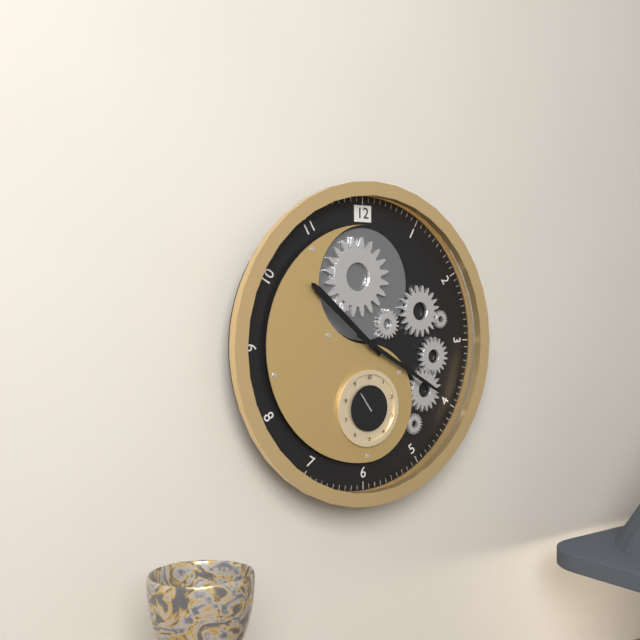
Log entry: {"hour": 10, "minute": 20}
